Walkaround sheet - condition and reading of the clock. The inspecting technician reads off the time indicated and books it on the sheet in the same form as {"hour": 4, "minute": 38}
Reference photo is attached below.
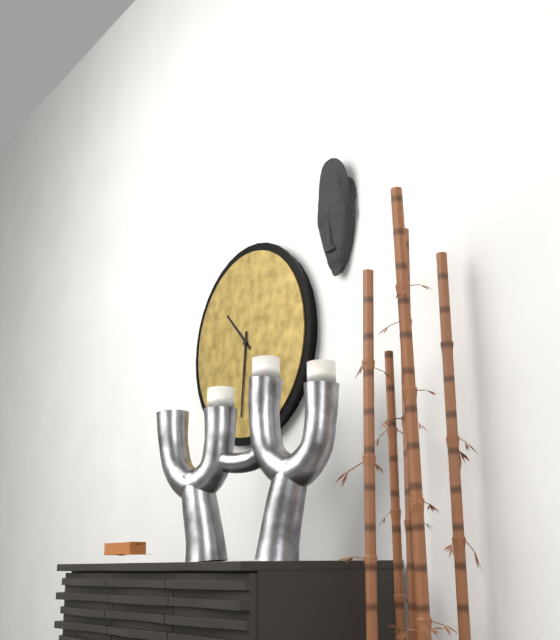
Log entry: {"hour": 10, "minute": 31}
